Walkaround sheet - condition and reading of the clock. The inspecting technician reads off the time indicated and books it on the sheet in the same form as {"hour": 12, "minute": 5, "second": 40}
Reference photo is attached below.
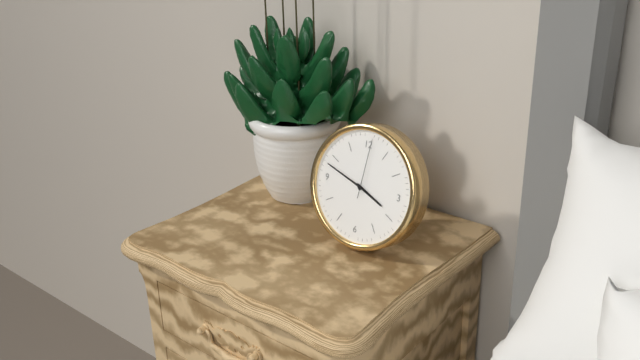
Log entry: {"hour": 3, "minute": 48, "second": 1}
